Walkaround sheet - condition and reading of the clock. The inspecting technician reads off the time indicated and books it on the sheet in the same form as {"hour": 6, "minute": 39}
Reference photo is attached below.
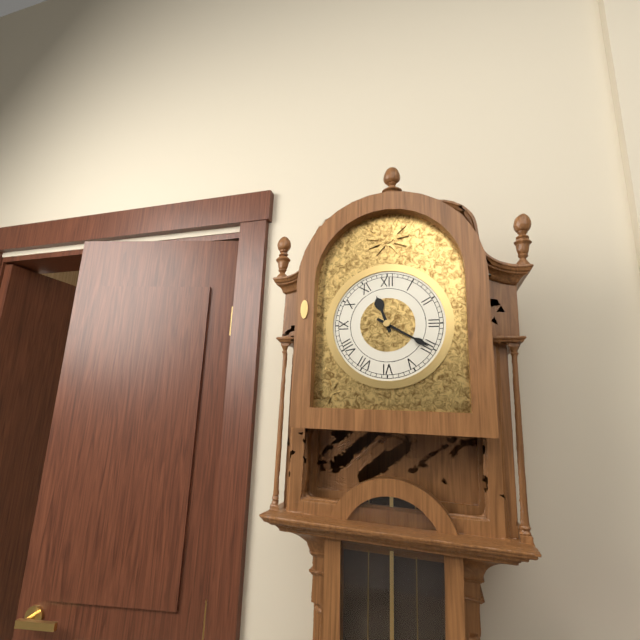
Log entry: {"hour": 11, "minute": 20}
